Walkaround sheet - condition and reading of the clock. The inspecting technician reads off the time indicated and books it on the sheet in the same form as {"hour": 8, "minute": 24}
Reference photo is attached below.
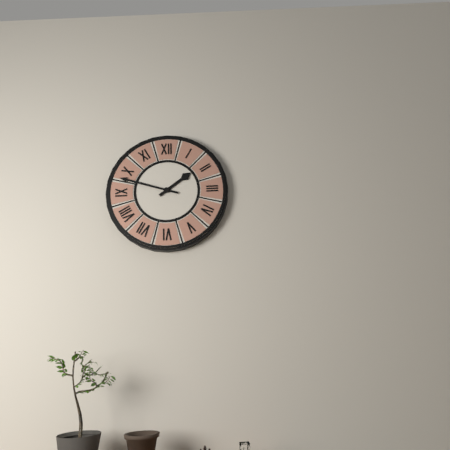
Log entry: {"hour": 1, "minute": 48}
